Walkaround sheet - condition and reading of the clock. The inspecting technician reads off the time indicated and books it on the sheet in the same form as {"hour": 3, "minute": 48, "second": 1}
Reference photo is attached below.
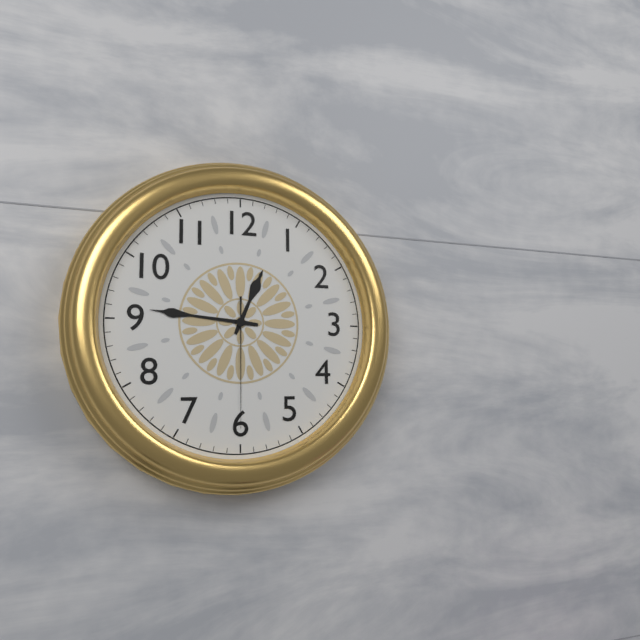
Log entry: {"hour": 12, "minute": 46, "second": 30}
